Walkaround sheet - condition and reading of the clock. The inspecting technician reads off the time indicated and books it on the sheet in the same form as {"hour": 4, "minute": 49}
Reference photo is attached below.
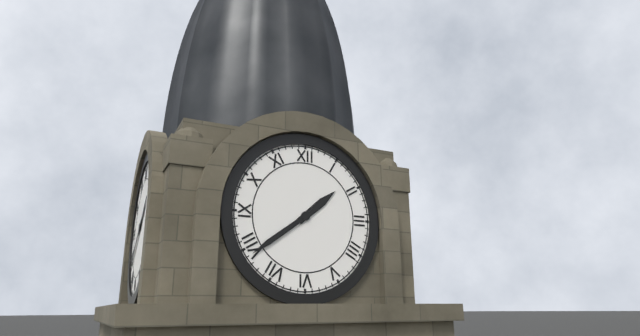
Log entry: {"hour": 1, "minute": 39}
